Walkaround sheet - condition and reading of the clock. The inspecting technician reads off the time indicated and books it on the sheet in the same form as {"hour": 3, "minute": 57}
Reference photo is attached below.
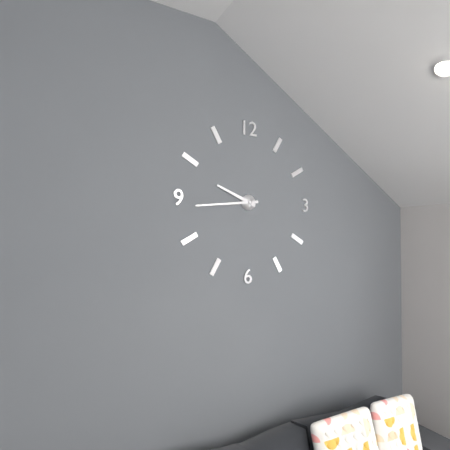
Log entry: {"hour": 9, "minute": 44}
